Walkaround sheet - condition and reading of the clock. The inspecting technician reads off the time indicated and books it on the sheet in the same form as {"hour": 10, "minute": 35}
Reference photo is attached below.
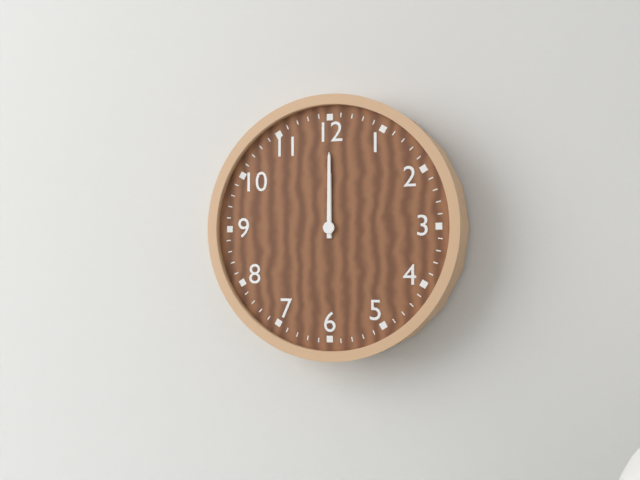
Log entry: {"hour": 12, "minute": 0}
